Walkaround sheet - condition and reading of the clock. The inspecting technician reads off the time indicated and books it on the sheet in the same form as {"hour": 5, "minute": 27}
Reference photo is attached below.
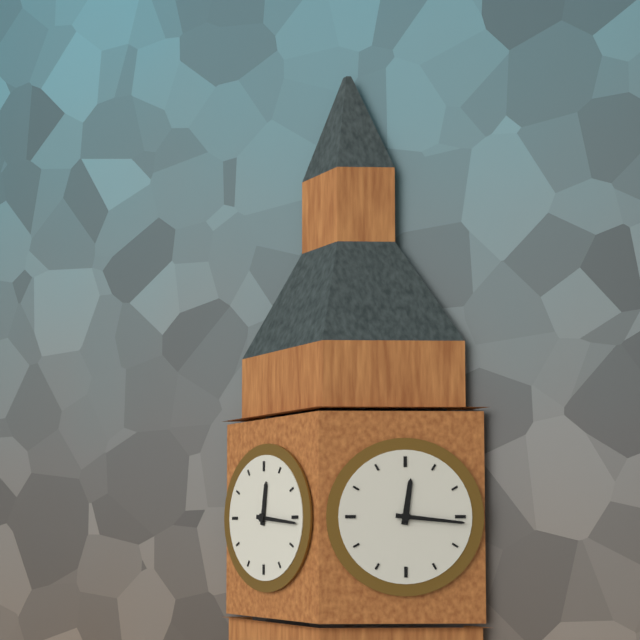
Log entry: {"hour": 12, "minute": 16}
